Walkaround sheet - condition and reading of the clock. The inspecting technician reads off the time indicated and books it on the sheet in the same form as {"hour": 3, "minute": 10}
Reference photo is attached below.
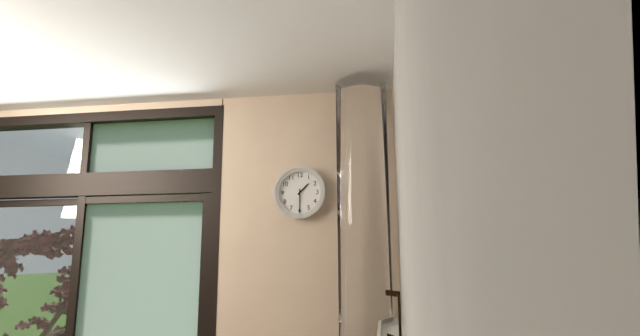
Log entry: {"hour": 1, "minute": 30}
